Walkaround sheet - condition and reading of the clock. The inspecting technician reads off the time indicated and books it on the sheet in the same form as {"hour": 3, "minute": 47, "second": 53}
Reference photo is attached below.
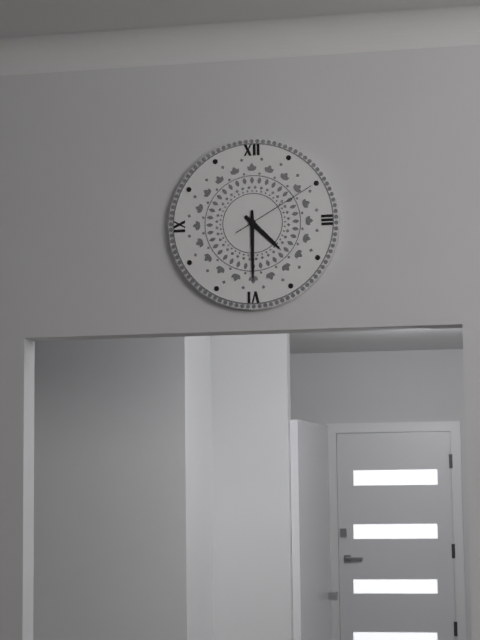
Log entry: {"hour": 4, "minute": 30, "second": 10}
